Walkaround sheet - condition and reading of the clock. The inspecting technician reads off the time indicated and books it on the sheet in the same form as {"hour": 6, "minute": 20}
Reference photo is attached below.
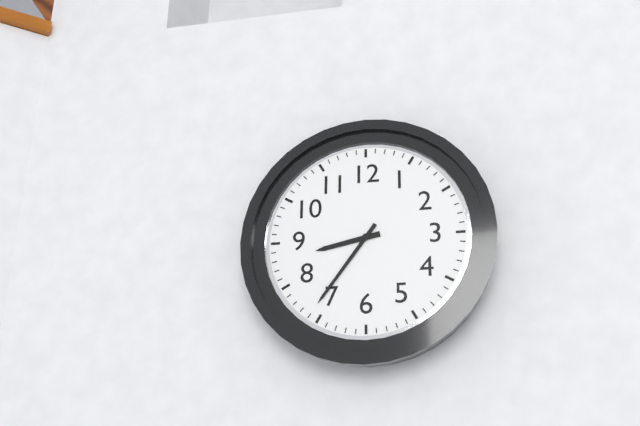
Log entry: {"hour": 8, "minute": 36}
